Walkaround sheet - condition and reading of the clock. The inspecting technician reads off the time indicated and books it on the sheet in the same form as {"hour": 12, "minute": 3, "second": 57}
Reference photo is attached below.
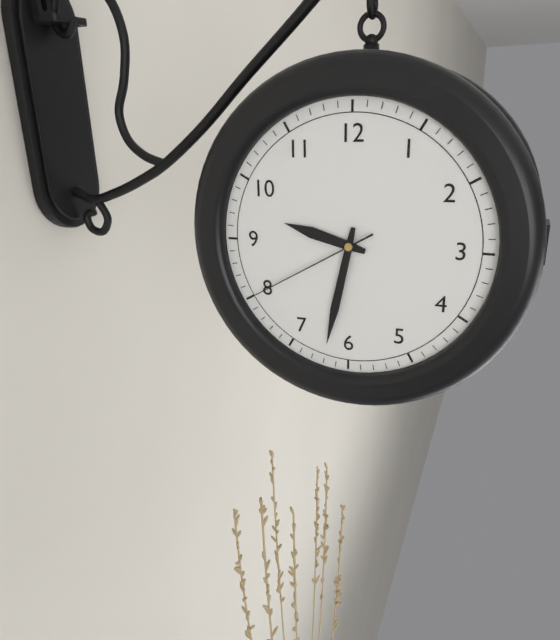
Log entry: {"hour": 9, "minute": 32, "second": 40}
